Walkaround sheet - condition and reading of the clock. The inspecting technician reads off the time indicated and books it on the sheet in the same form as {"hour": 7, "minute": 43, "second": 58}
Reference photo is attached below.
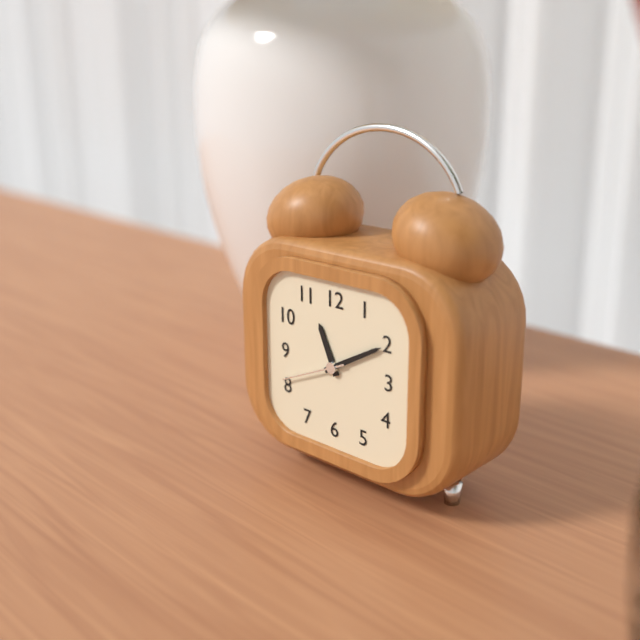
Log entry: {"hour": 11, "minute": 10, "second": 41}
